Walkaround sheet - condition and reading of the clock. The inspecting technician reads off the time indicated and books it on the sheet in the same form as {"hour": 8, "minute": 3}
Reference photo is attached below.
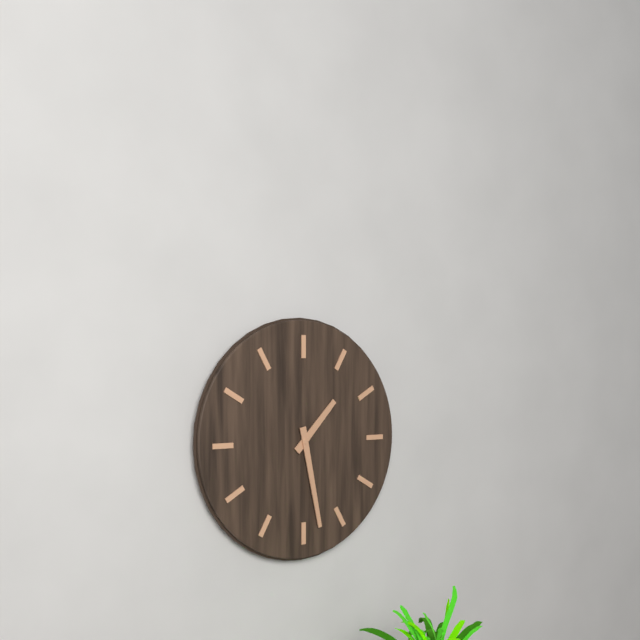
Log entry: {"hour": 1, "minute": 28}
